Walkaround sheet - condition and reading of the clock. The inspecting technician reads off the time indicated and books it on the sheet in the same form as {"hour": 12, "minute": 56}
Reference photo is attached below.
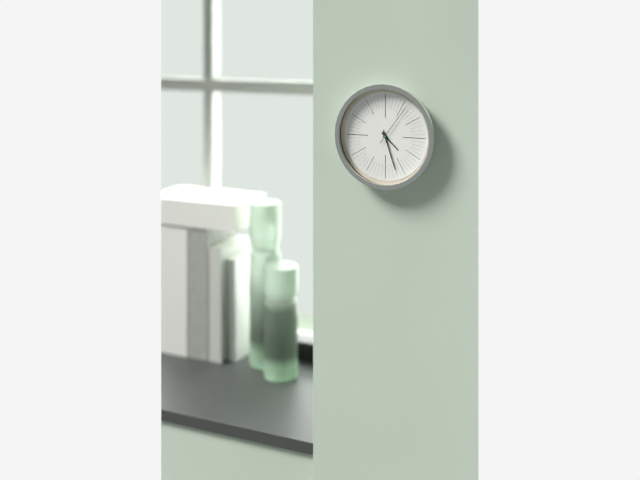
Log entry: {"hour": 4, "minute": 27}
